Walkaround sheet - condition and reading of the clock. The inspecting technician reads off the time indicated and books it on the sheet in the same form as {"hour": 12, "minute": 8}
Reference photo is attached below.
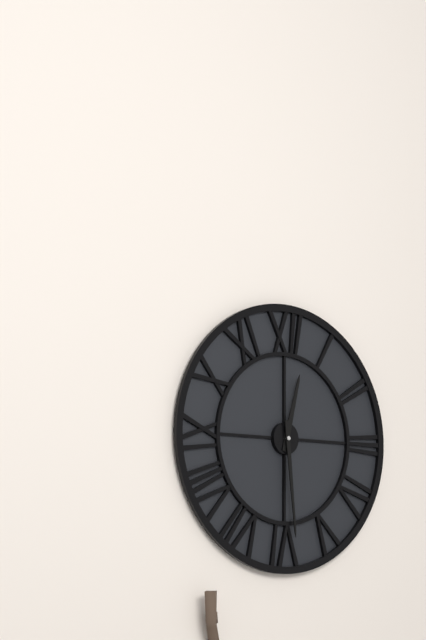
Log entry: {"hour": 12, "minute": 29}
